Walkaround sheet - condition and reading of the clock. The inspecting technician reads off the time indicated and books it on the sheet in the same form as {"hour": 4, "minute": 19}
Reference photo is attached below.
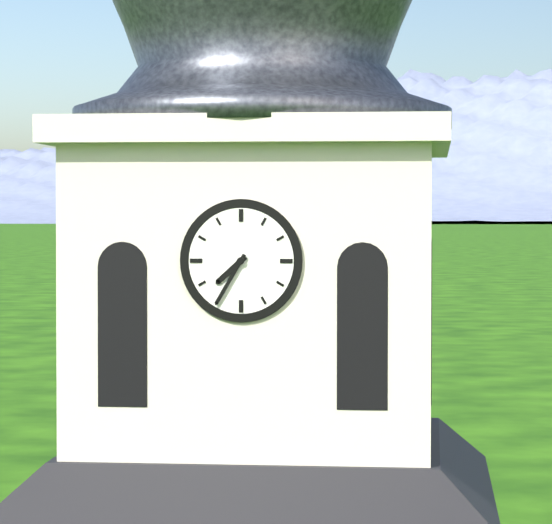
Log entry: {"hour": 7, "minute": 35}
